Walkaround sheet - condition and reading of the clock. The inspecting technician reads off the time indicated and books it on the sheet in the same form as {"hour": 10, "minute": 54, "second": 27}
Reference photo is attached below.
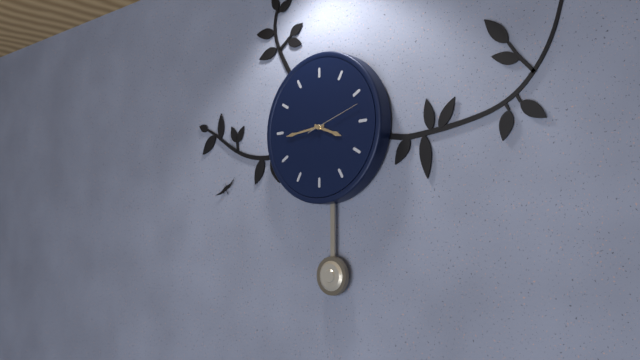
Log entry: {"hour": 3, "minute": 44, "second": 12}
